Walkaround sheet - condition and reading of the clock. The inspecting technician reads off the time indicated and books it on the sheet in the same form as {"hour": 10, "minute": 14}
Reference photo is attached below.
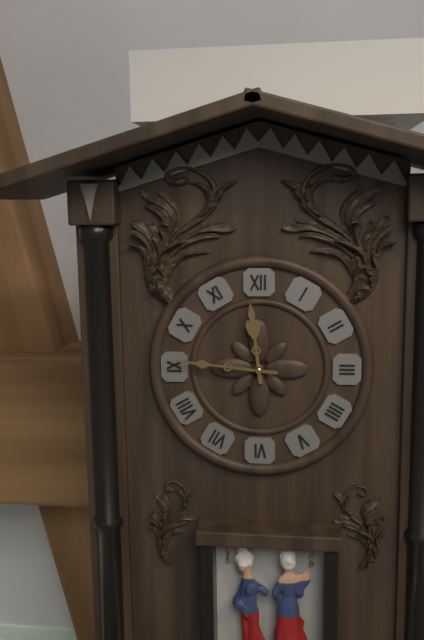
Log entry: {"hour": 11, "minute": 46}
